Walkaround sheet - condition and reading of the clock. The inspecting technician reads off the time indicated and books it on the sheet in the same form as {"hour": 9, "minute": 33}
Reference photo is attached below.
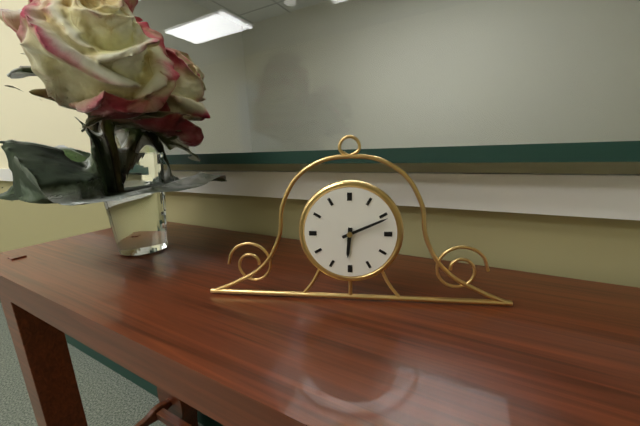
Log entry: {"hour": 6, "minute": 11}
